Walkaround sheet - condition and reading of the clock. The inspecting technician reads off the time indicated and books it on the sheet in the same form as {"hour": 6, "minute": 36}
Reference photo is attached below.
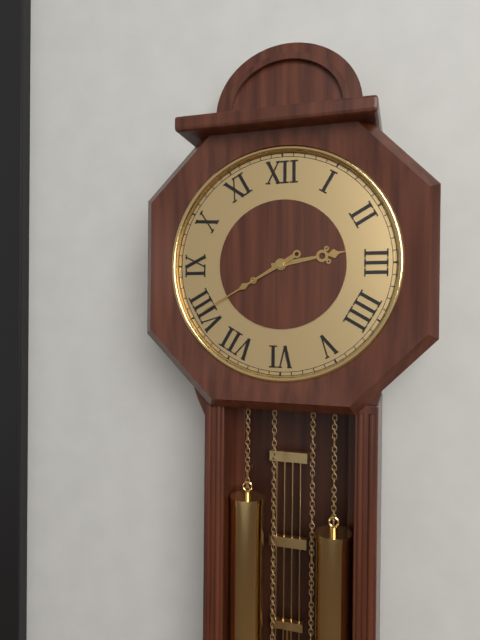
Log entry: {"hour": 2, "minute": 40}
